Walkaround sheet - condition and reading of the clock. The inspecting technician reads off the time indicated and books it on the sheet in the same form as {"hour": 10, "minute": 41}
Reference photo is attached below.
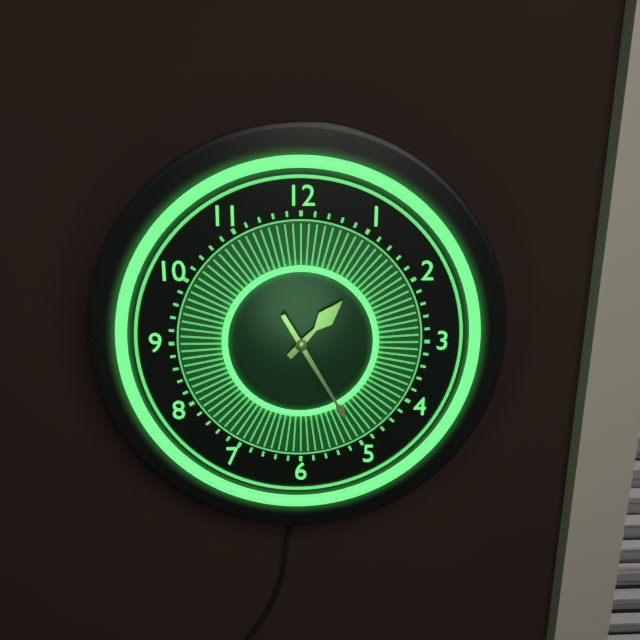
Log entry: {"hour": 1, "minute": 25}
